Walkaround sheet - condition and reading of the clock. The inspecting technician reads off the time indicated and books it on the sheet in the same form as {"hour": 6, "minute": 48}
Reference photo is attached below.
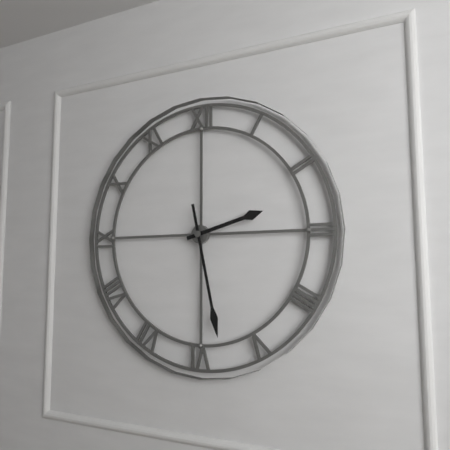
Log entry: {"hour": 2, "minute": 28}
